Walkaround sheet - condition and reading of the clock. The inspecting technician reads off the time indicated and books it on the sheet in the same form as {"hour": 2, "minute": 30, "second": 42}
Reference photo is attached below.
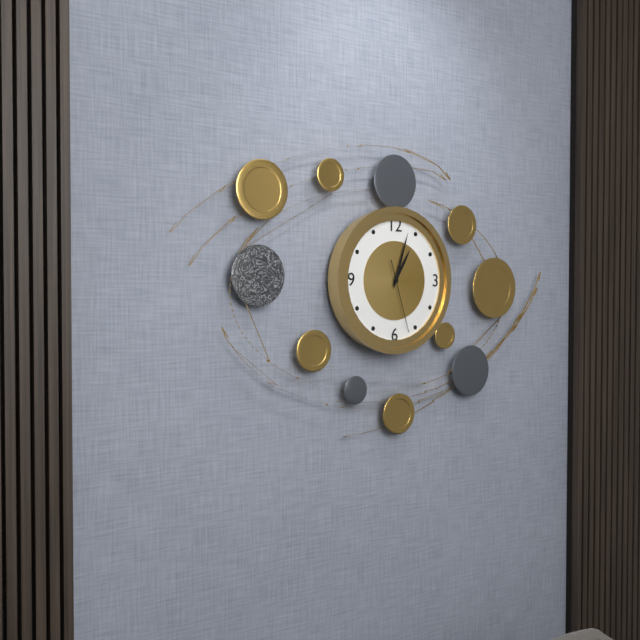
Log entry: {"hour": 1, "minute": 3, "second": 27}
